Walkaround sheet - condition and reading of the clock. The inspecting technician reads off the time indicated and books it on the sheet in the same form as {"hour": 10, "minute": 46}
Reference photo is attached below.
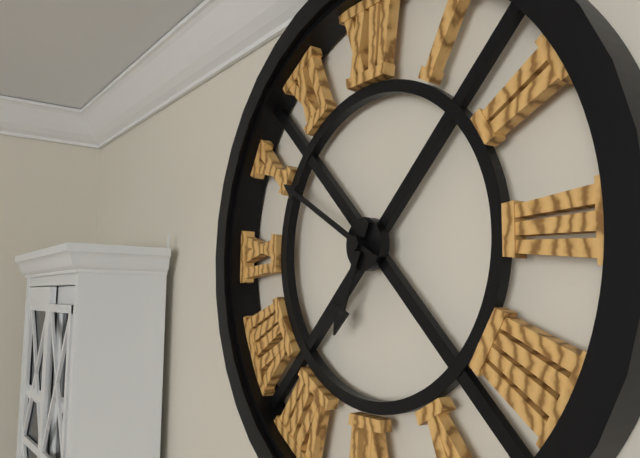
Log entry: {"hour": 6, "minute": 50}
